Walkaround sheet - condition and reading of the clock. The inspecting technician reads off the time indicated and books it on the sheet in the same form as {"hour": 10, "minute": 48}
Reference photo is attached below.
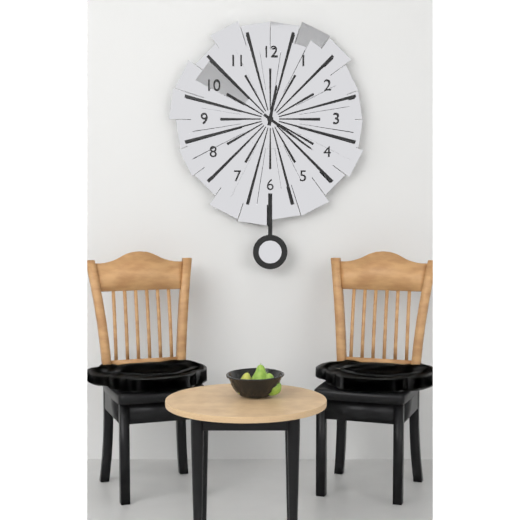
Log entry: {"hour": 12, "minute": 21}
